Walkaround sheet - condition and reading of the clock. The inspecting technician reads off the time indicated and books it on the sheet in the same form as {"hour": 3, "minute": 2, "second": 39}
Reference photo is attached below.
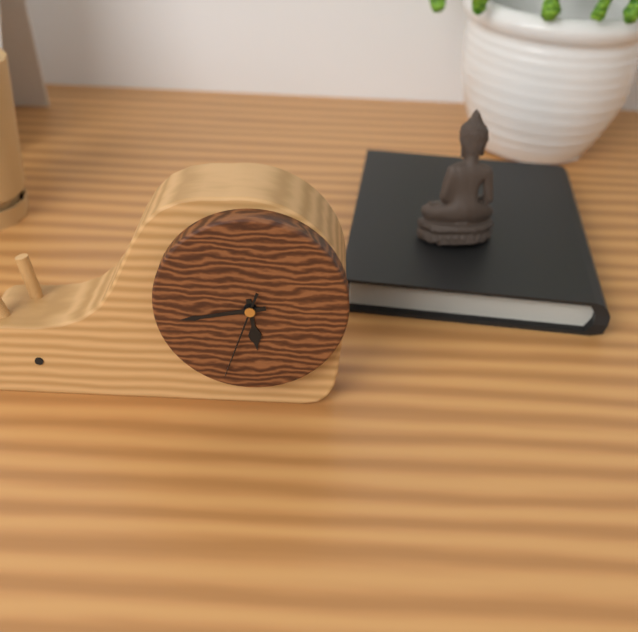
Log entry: {"hour": 5, "minute": 43, "second": 33}
